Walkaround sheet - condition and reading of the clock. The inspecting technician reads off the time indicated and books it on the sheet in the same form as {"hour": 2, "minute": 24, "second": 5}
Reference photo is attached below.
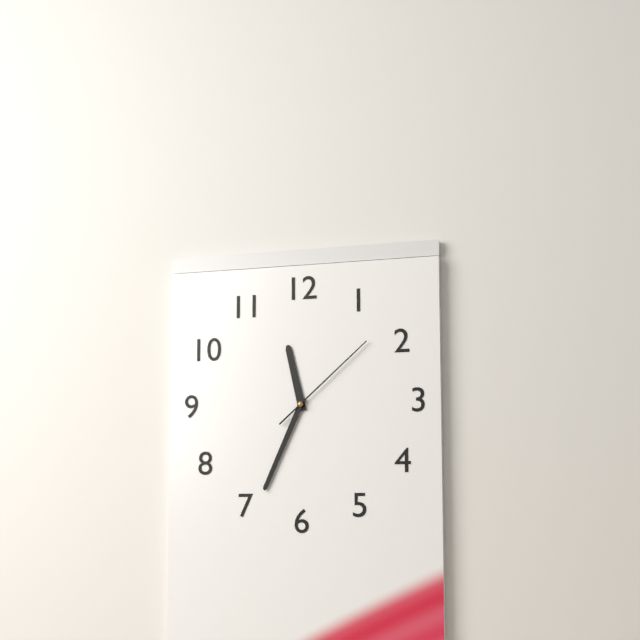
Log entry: {"hour": 11, "minute": 34, "second": 8}
